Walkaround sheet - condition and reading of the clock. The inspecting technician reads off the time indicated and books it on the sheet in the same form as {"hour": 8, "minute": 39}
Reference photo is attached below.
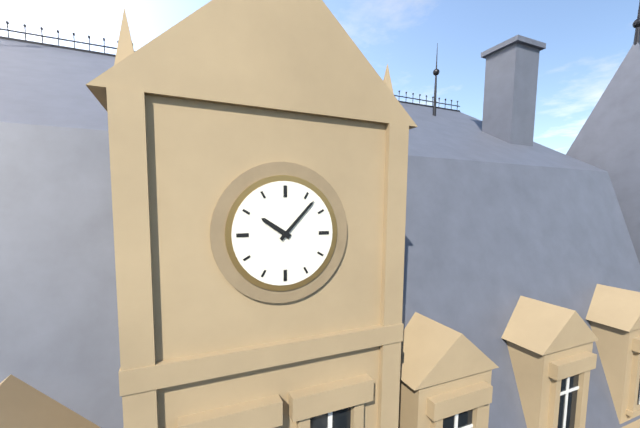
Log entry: {"hour": 10, "minute": 7}
